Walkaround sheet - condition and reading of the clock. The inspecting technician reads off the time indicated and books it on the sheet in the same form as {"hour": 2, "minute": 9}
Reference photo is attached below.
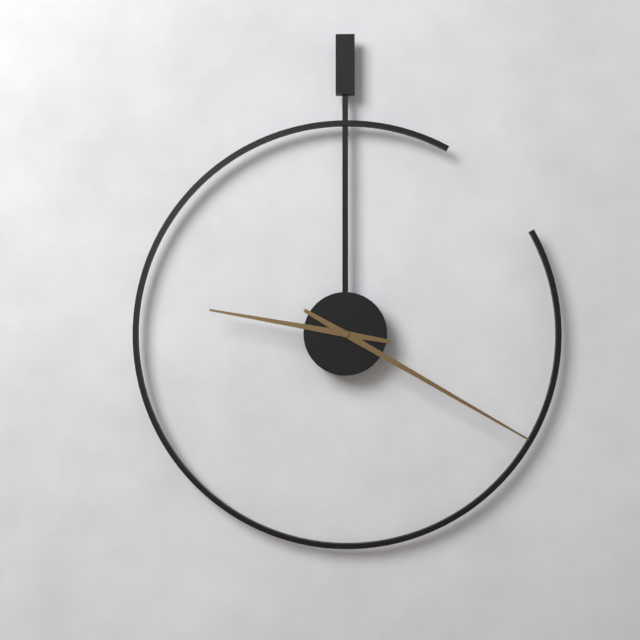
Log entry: {"hour": 9, "minute": 20}
